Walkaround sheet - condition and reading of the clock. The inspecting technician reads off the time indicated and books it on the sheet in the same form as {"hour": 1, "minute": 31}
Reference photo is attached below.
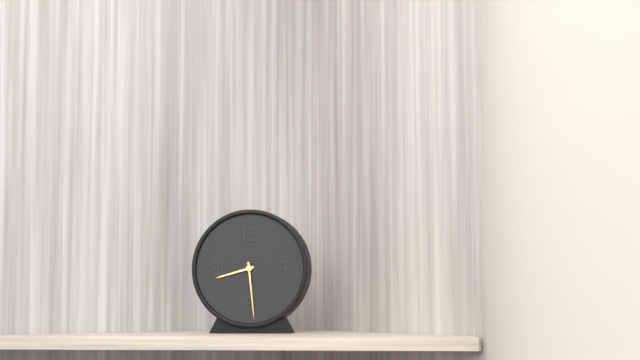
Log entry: {"hour": 8, "minute": 29}
